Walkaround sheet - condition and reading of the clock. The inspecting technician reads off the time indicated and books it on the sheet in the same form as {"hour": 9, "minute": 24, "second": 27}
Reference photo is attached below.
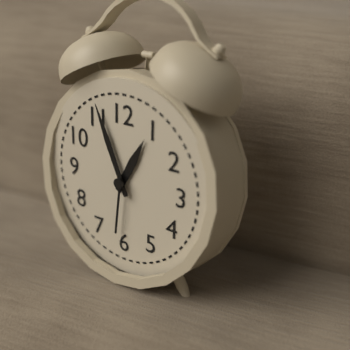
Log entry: {"hour": 12, "minute": 56, "second": 31}
